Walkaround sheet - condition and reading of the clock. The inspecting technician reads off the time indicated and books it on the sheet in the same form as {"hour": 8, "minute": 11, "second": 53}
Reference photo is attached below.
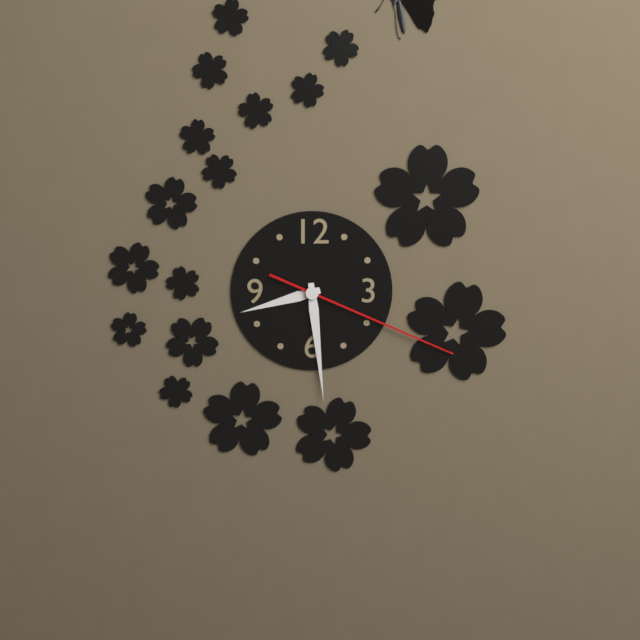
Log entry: {"hour": 8, "minute": 29, "second": 19}
